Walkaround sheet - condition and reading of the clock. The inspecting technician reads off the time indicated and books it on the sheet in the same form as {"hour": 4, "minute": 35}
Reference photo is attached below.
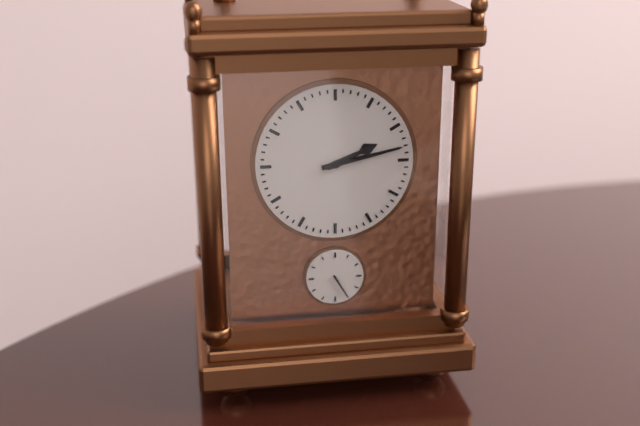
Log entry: {"hour": 2, "minute": 13}
